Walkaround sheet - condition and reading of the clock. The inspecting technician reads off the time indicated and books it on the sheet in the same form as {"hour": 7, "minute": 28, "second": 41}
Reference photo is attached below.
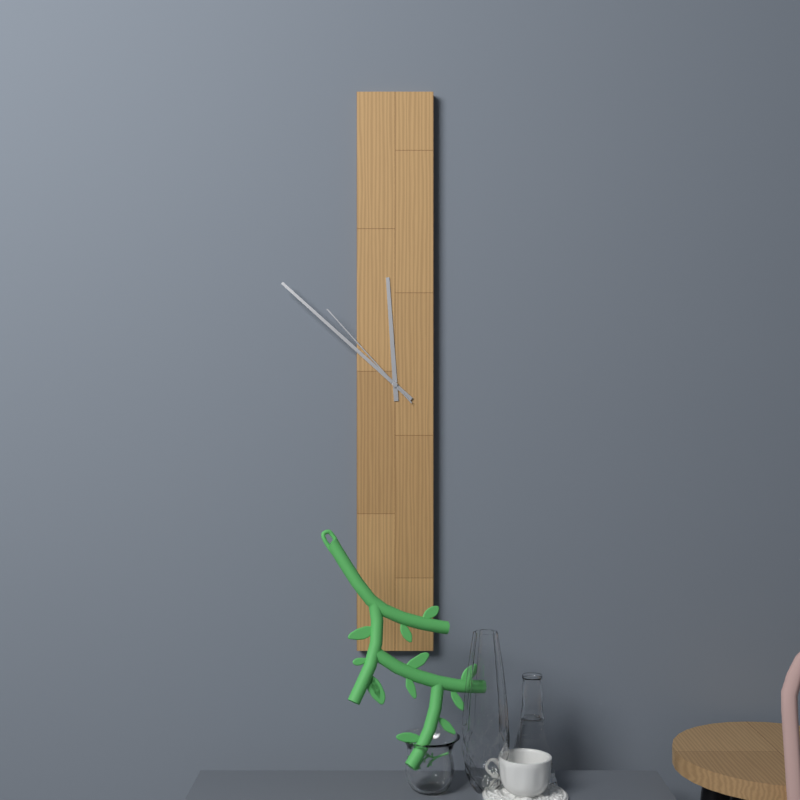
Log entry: {"hour": 11, "minute": 52, "second": 53}
